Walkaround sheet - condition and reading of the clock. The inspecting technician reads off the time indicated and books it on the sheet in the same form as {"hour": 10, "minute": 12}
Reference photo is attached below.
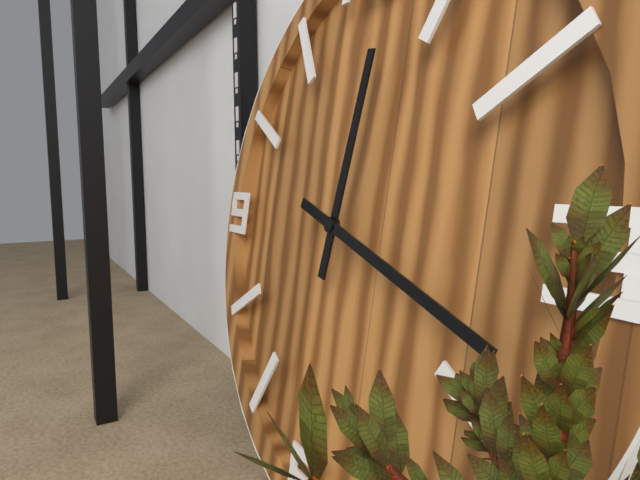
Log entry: {"hour": 12, "minute": 18}
